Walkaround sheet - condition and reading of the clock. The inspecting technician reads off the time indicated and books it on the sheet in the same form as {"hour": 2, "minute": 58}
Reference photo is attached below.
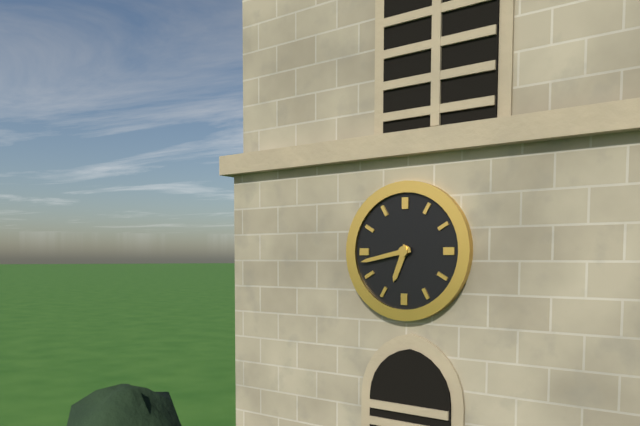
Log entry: {"hour": 6, "minute": 43}
